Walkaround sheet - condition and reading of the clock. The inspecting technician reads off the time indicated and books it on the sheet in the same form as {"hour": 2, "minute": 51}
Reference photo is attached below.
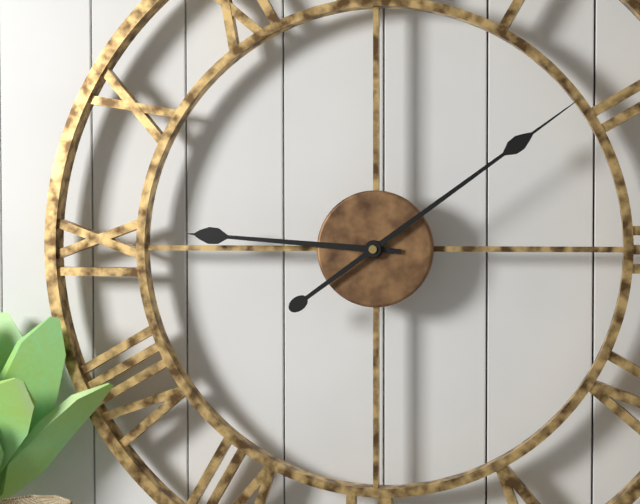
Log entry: {"hour": 9, "minute": 9}
